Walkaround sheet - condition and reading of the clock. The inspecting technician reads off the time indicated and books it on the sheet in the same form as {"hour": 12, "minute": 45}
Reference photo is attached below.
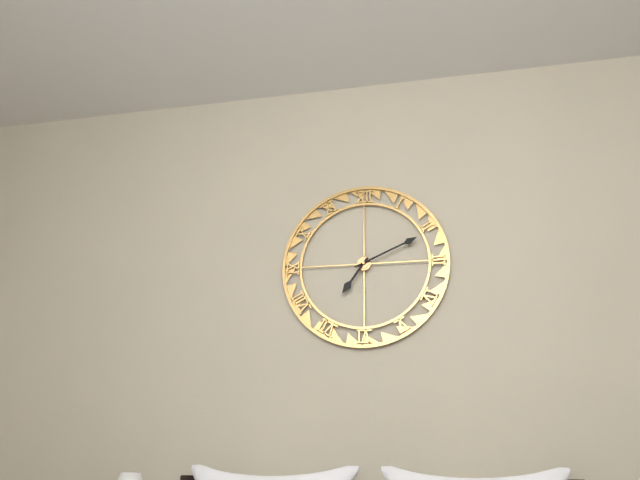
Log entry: {"hour": 7, "minute": 11}
